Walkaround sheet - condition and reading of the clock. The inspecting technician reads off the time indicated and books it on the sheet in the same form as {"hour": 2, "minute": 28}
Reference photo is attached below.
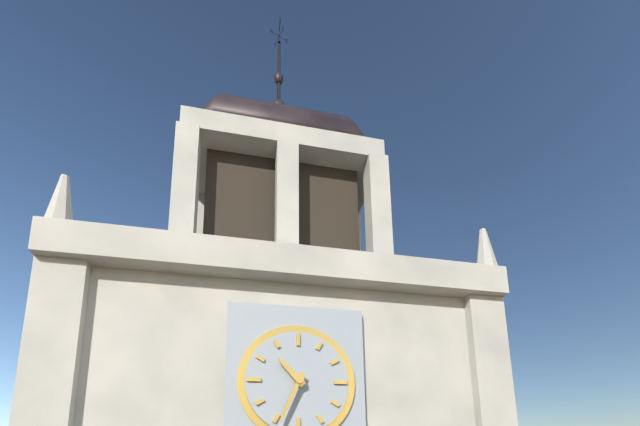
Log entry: {"hour": 10, "minute": 34}
